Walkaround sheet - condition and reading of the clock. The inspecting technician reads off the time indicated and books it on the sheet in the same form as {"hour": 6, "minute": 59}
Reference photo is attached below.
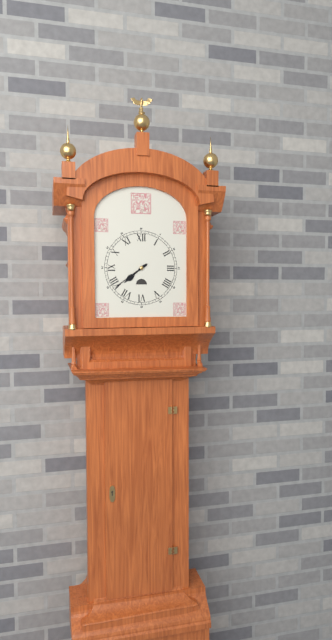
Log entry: {"hour": 7, "minute": 39}
